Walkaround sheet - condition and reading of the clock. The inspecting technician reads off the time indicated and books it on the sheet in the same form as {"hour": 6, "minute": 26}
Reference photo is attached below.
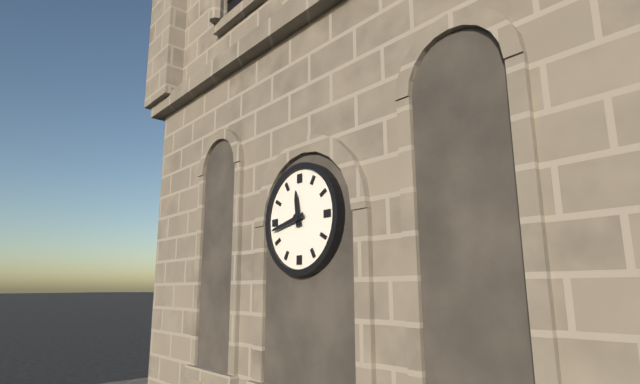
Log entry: {"hour": 11, "minute": 43}
